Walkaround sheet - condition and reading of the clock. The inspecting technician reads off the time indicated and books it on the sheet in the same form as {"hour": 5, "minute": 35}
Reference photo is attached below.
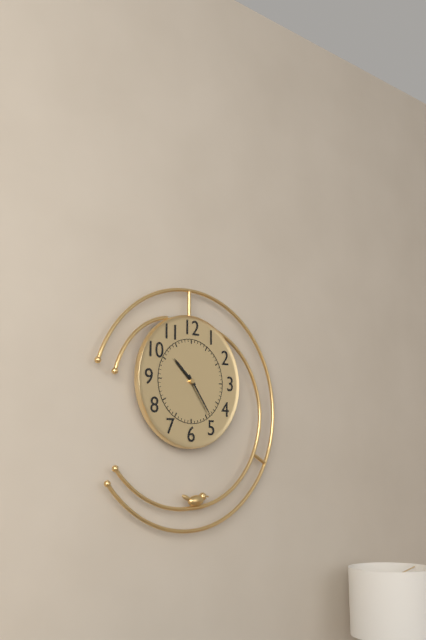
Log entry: {"hour": 10, "minute": 24}
